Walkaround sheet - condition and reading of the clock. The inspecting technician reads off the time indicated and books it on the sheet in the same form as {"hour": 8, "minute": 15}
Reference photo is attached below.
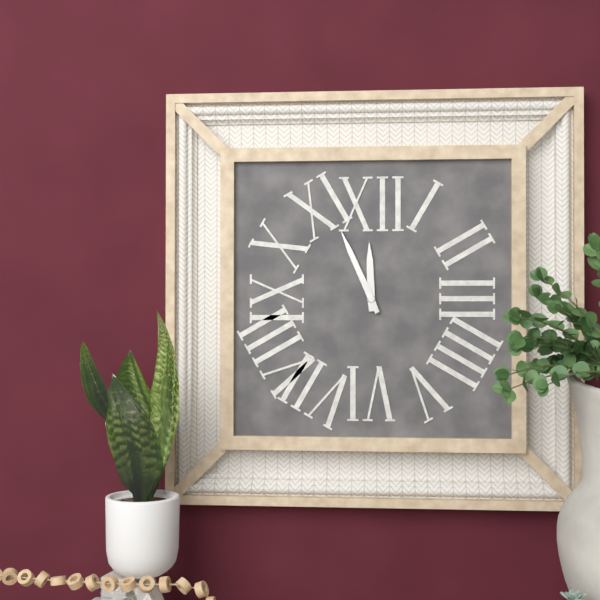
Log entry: {"hour": 11, "minute": 56}
